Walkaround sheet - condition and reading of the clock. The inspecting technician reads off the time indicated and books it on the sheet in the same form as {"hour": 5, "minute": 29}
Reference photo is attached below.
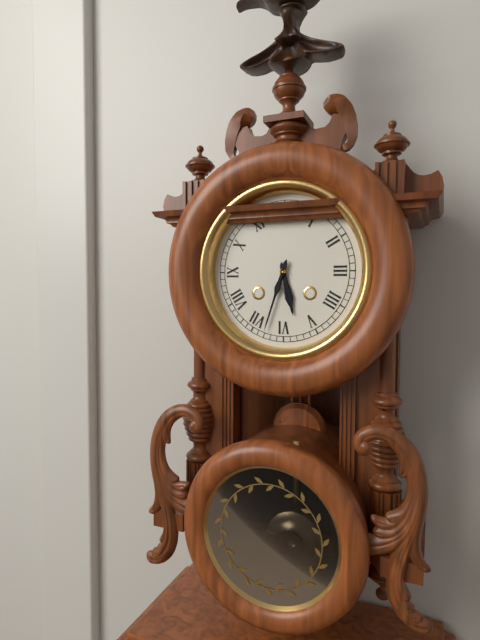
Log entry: {"hour": 5, "minute": 33}
